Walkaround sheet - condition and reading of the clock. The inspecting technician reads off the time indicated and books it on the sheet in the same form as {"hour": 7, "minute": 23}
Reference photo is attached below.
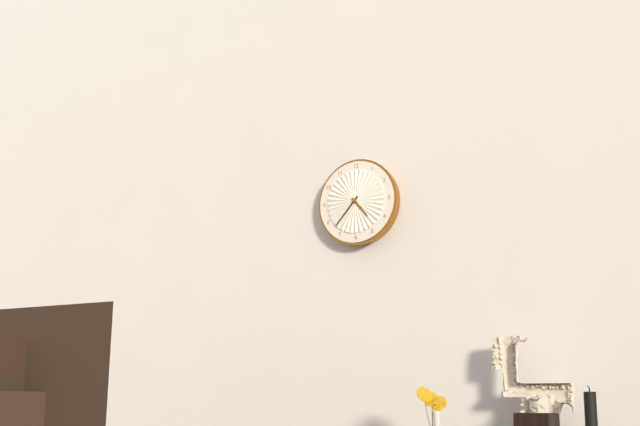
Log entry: {"hour": 4, "minute": 37}
